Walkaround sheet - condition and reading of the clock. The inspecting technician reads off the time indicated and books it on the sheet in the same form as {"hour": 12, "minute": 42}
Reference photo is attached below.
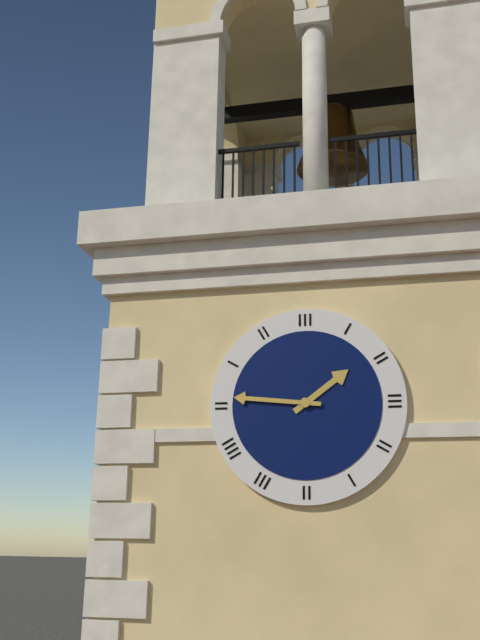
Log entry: {"hour": 1, "minute": 46}
